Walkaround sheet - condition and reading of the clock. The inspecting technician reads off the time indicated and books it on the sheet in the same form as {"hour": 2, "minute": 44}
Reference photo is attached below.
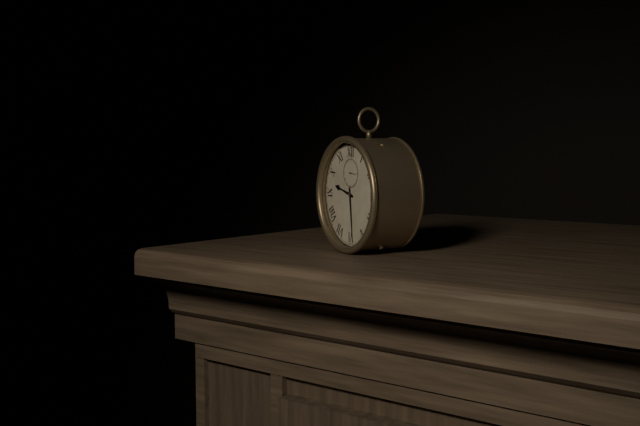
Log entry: {"hour": 9, "minute": 29}
